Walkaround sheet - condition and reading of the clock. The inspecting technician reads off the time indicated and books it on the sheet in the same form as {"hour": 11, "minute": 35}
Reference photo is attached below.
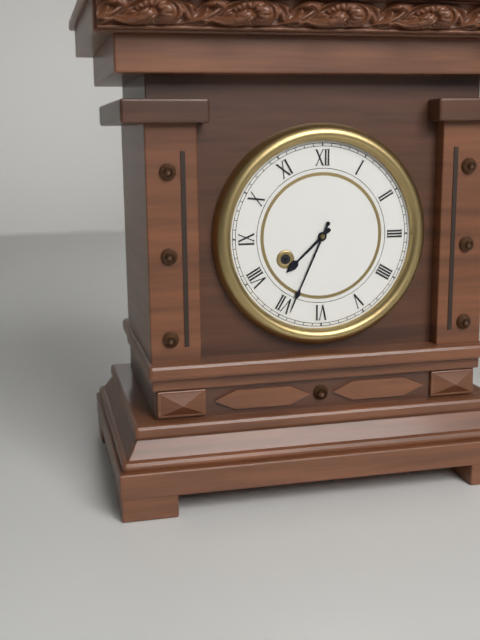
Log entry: {"hour": 7, "minute": 34}
